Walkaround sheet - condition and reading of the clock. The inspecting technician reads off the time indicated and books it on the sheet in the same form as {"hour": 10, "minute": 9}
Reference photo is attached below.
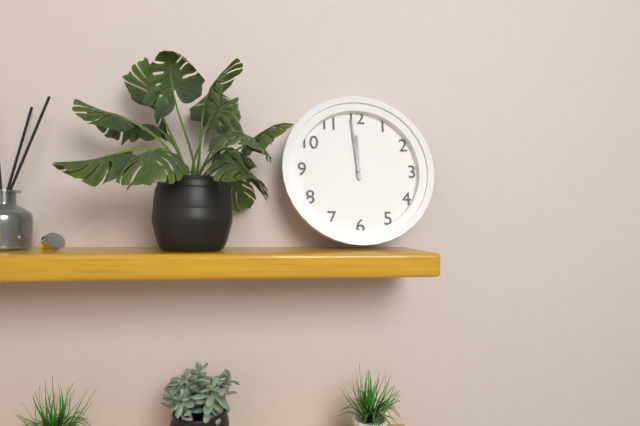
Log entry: {"hour": 11, "minute": 59}
